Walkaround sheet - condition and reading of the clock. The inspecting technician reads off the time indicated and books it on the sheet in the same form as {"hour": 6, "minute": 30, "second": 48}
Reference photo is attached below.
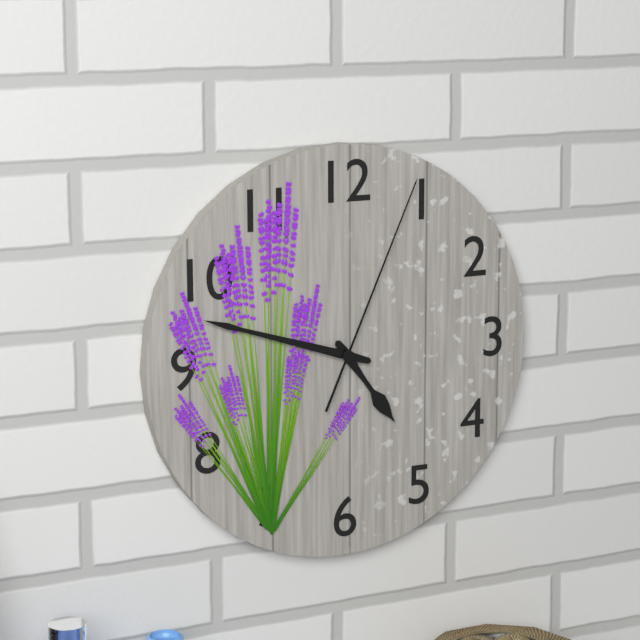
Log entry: {"hour": 4, "minute": 48, "second": 4}
